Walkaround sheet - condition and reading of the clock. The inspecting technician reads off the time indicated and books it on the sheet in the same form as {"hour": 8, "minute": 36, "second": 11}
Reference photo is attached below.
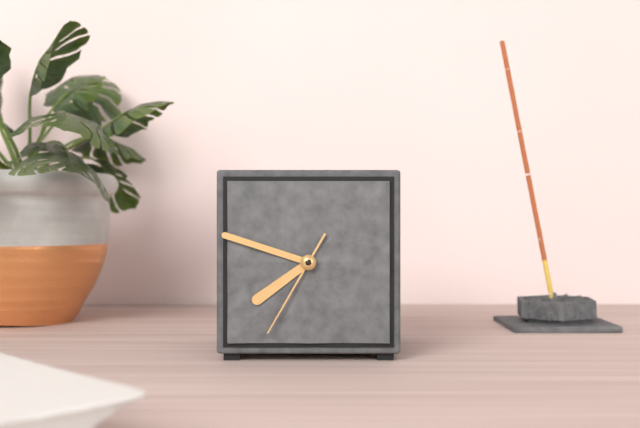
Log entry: {"hour": 7, "minute": 48, "second": 35}
